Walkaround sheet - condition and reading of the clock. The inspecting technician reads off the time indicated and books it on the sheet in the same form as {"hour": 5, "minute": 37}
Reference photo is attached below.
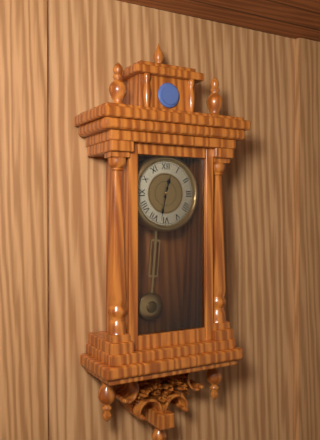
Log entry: {"hour": 12, "minute": 32}
